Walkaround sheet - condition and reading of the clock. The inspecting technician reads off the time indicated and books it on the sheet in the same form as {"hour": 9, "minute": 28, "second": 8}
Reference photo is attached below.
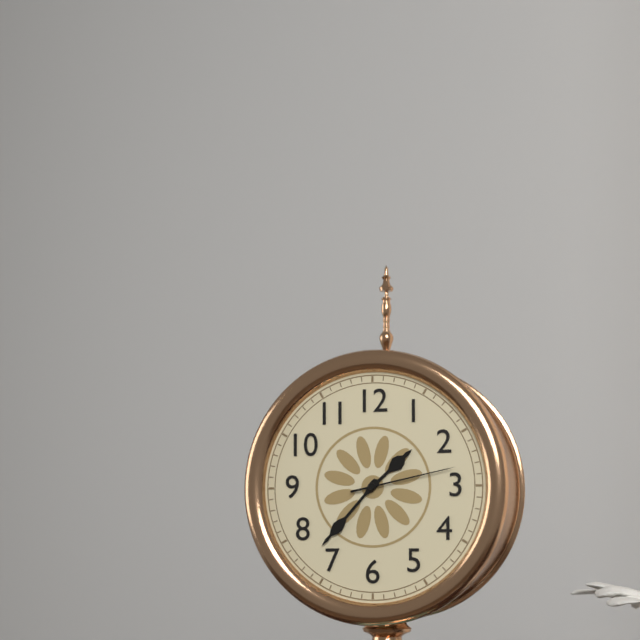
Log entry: {"hour": 1, "minute": 37, "second": 13}
